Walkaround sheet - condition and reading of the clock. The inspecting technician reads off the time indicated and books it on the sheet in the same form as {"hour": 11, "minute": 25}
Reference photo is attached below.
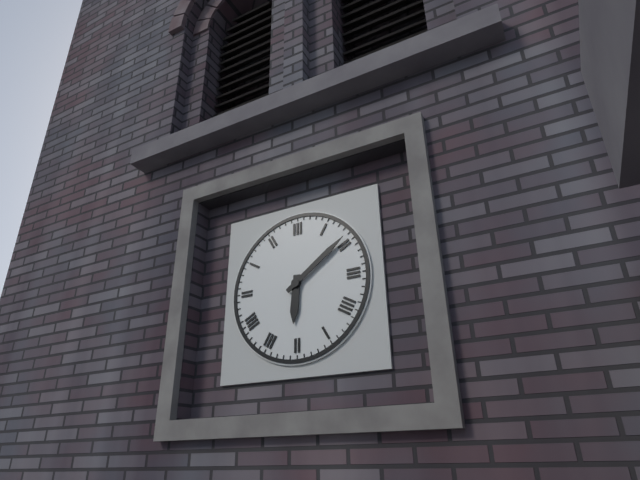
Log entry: {"hour": 6, "minute": 9}
